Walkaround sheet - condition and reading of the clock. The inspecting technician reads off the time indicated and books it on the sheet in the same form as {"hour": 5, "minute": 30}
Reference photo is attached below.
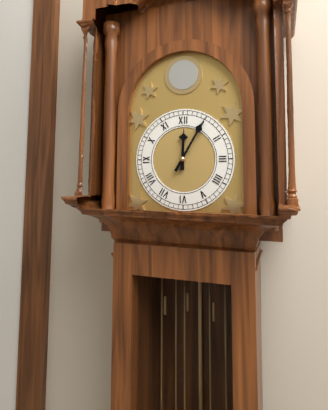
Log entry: {"hour": 12, "minute": 5}
